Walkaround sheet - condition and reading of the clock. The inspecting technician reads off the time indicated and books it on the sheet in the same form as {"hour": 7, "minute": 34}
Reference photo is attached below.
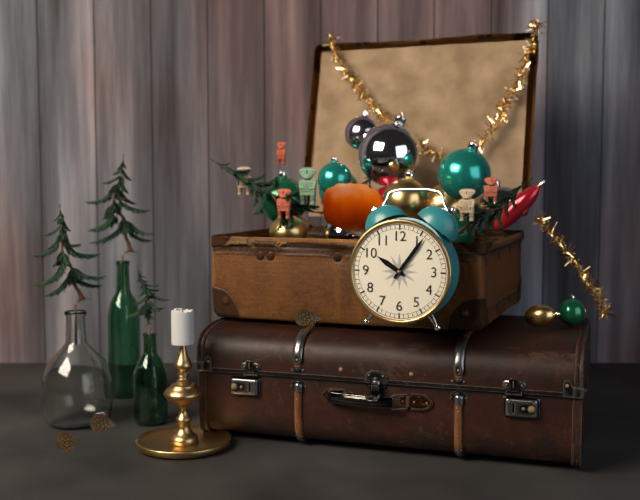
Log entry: {"hour": 10, "minute": 6}
